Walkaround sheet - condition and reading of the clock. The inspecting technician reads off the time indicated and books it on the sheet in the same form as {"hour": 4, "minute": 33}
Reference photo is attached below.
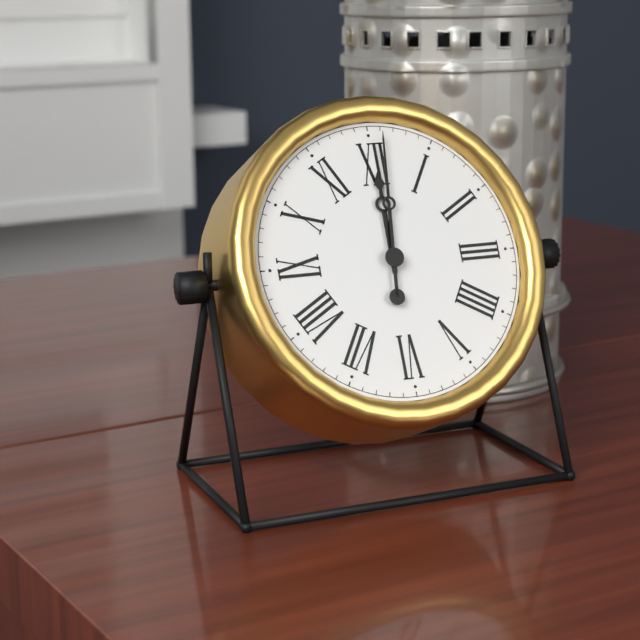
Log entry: {"hour": 12, "minute": 1}
